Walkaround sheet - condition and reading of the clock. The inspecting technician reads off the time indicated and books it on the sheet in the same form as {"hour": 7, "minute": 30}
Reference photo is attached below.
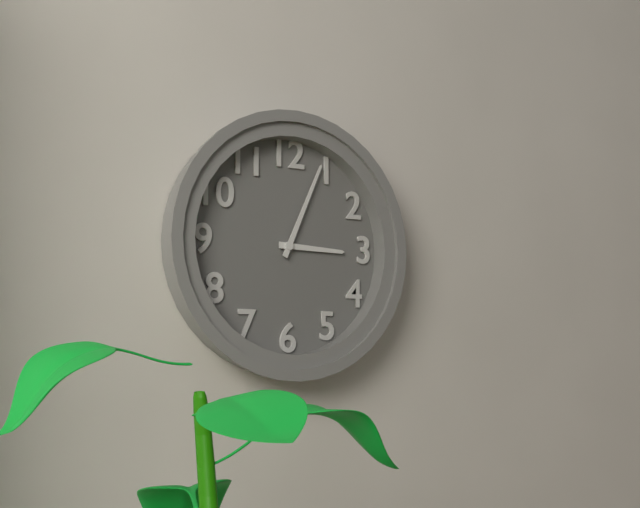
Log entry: {"hour": 3, "minute": 4}
